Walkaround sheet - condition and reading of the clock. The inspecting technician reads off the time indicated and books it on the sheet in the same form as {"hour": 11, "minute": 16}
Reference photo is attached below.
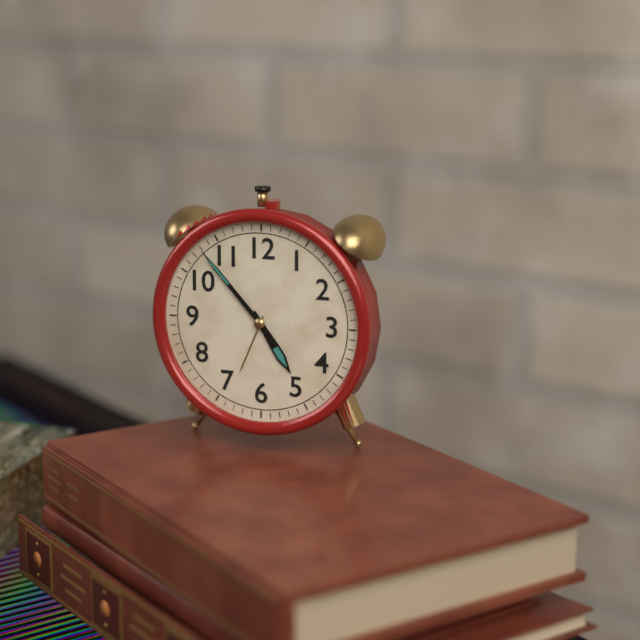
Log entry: {"hour": 4, "minute": 53}
